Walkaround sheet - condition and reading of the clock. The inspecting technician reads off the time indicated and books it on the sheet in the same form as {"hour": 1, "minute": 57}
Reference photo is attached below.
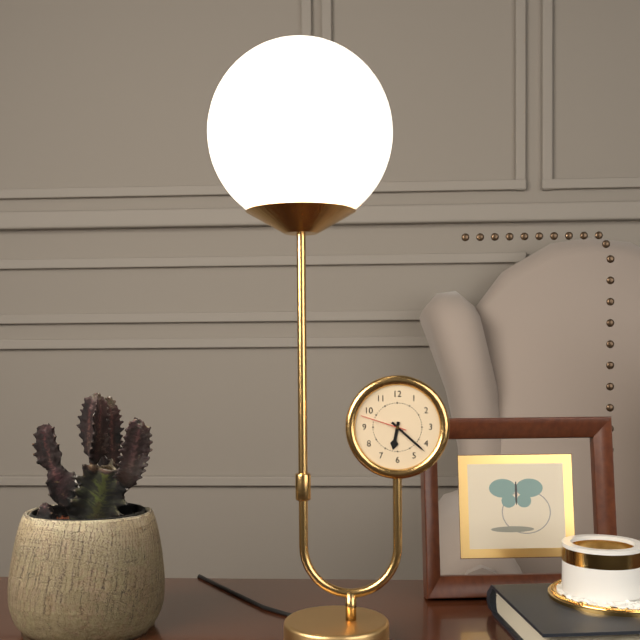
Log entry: {"hour": 6, "minute": 22}
